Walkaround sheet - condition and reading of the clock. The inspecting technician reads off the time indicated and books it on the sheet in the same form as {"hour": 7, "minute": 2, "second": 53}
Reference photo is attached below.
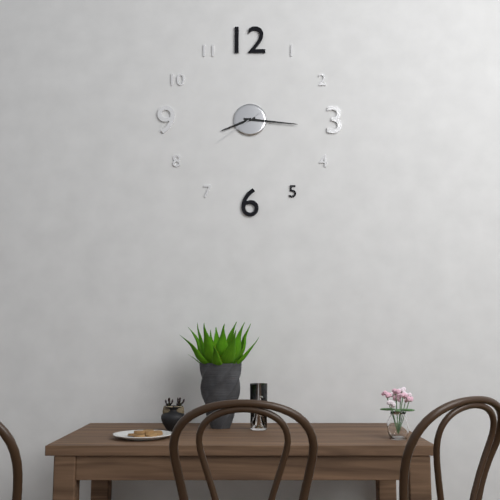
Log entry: {"hour": 8, "minute": 16, "second": 39}
